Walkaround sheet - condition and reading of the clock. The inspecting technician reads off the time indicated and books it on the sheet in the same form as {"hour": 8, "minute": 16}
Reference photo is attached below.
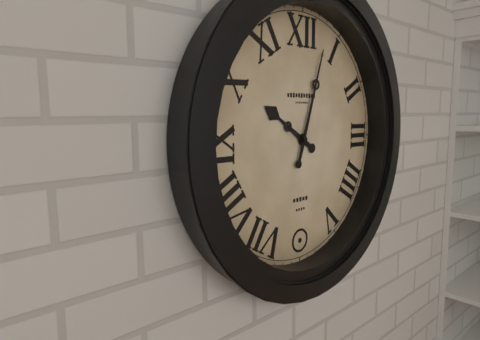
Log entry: {"hour": 10, "minute": 3}
